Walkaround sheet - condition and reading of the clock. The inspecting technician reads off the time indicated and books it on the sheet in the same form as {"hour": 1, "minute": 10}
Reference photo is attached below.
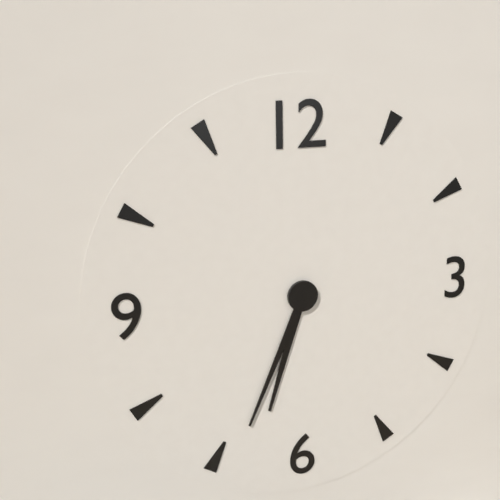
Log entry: {"hour": 6, "minute": 34}
